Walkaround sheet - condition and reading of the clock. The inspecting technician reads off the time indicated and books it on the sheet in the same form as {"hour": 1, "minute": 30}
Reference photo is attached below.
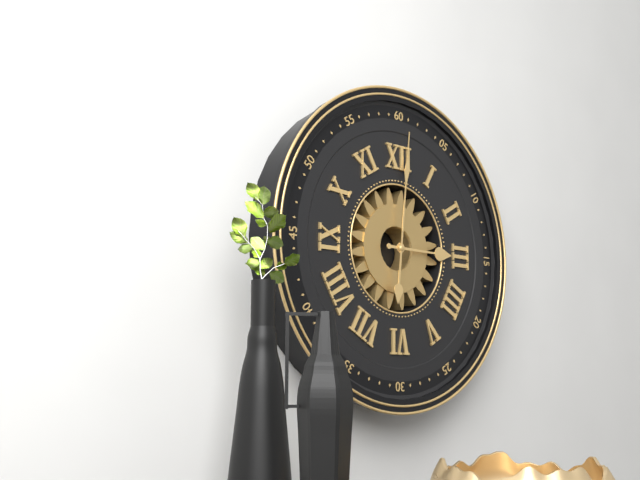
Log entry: {"hour": 3, "minute": 1}
